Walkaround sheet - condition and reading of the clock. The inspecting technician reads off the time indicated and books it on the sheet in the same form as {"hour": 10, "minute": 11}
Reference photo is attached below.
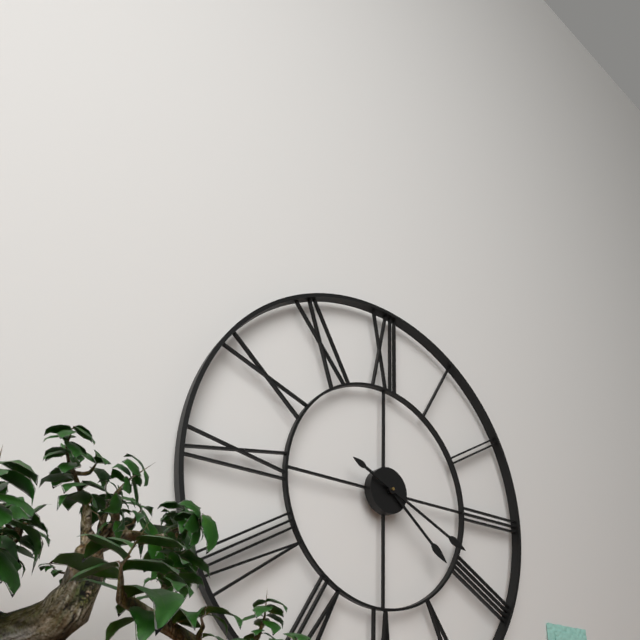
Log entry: {"hour": 4, "minute": 19}
